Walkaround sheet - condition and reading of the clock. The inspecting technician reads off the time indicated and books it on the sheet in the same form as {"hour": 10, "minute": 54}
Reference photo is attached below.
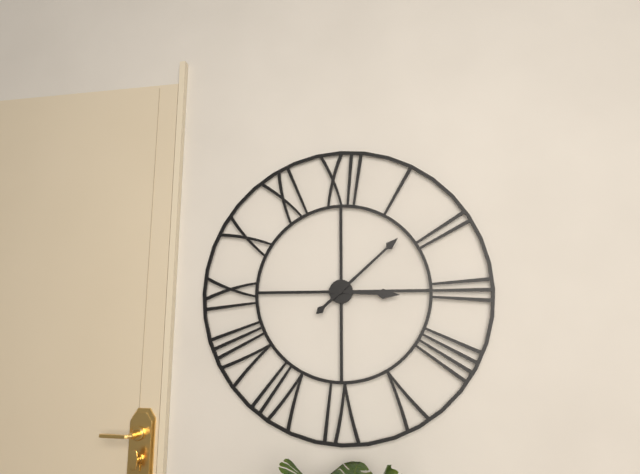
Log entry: {"hour": 3, "minute": 8}
